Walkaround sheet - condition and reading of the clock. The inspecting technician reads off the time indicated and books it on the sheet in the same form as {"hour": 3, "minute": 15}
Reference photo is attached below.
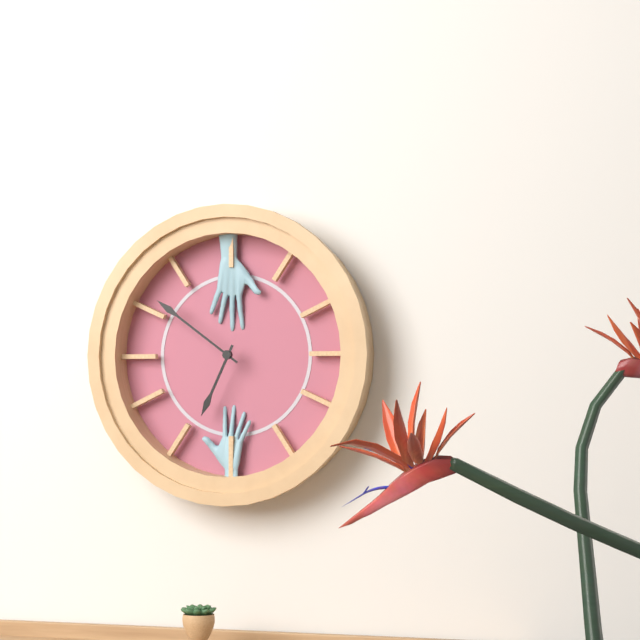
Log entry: {"hour": 6, "minute": 51}
